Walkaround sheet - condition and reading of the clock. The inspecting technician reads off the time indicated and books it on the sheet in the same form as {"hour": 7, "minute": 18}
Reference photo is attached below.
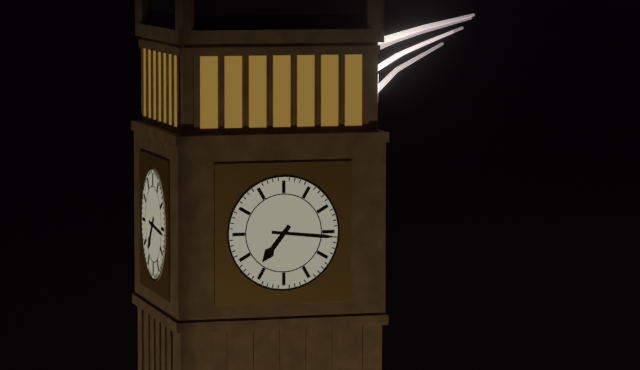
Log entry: {"hour": 7, "minute": 16}
